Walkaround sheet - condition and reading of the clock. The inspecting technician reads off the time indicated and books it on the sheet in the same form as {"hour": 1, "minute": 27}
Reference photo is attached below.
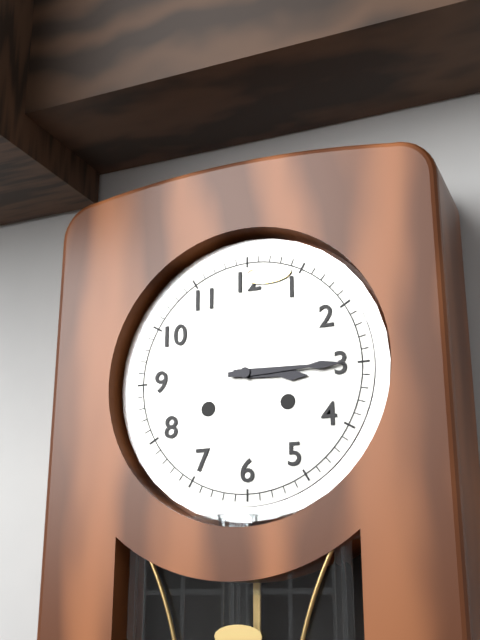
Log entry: {"hour": 3, "minute": 15}
